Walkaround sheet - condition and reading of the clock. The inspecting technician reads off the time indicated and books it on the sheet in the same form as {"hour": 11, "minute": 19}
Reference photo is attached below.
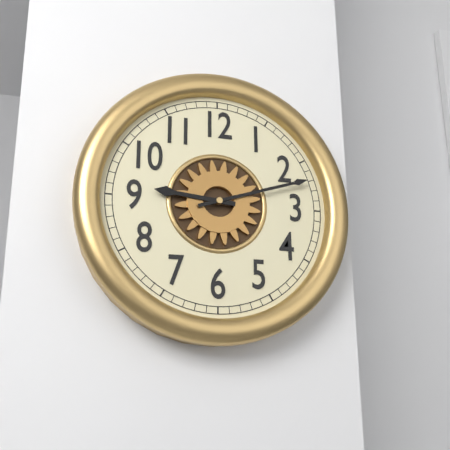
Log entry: {"hour": 9, "minute": 12}
